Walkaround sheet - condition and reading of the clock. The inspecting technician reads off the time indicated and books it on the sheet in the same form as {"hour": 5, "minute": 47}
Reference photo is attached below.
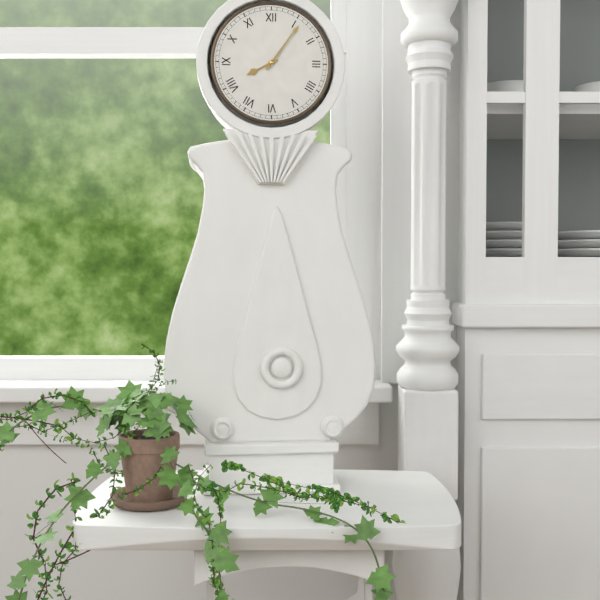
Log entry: {"hour": 8, "minute": 6}
